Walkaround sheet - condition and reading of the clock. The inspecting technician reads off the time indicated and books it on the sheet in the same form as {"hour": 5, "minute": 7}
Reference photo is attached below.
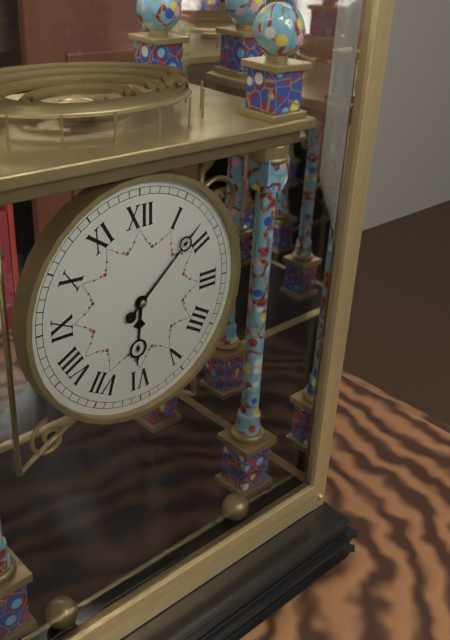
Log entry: {"hour": 6, "minute": 8}
